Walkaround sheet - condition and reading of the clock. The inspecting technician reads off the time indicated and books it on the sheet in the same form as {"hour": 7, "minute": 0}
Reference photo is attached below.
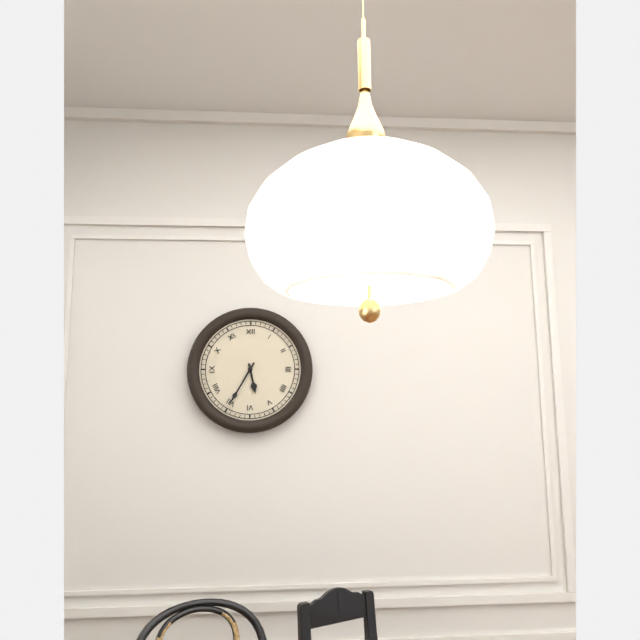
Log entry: {"hour": 5, "minute": 35}
